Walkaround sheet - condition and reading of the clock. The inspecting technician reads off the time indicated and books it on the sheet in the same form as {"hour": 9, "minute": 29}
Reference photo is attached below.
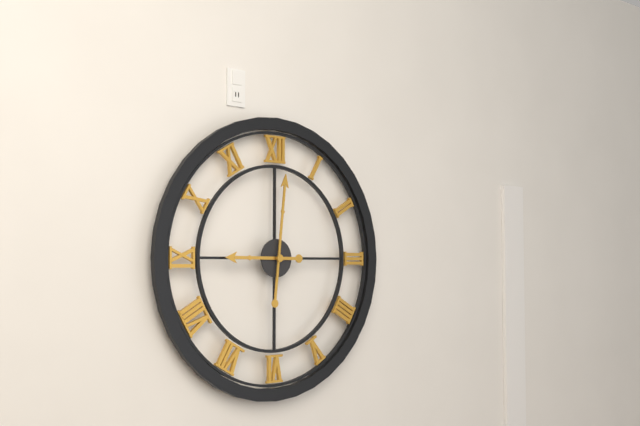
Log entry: {"hour": 9, "minute": 1}
